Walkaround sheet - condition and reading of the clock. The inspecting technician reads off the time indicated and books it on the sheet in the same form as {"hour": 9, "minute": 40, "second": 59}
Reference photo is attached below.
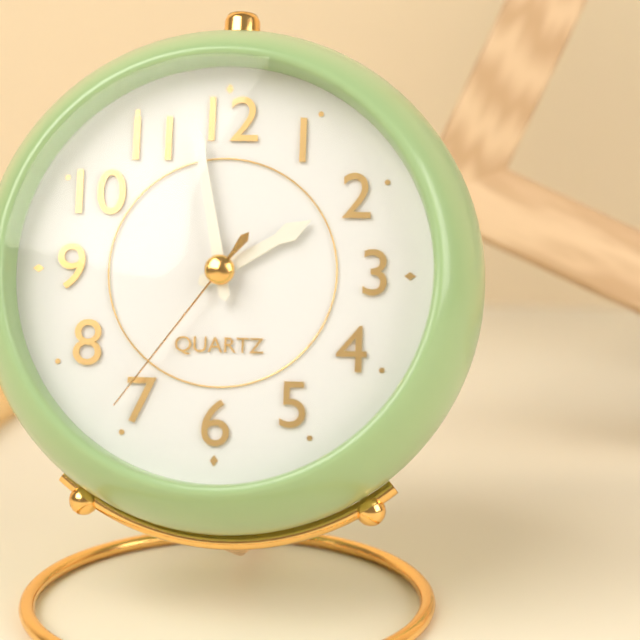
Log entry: {"hour": 1, "minute": 58, "second": 36}
